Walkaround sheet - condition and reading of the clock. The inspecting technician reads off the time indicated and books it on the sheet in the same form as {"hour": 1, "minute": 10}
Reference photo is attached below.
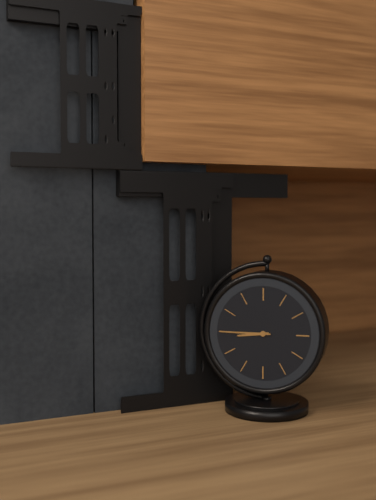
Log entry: {"hour": 8, "minute": 45}
